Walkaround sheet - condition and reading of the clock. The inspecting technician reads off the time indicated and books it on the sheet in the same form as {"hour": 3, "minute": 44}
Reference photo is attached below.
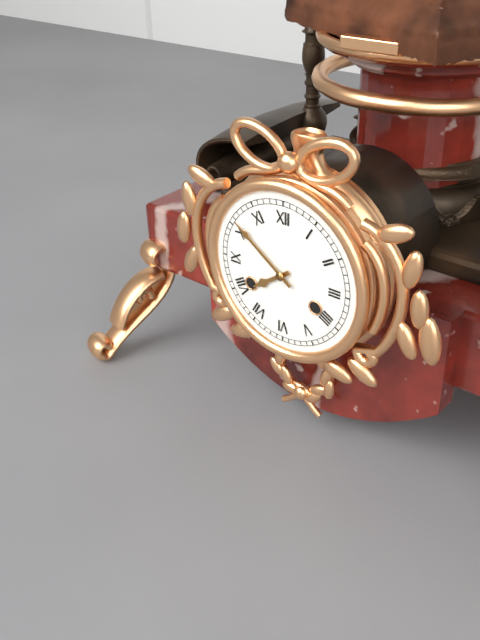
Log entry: {"hour": 7, "minute": 51}
